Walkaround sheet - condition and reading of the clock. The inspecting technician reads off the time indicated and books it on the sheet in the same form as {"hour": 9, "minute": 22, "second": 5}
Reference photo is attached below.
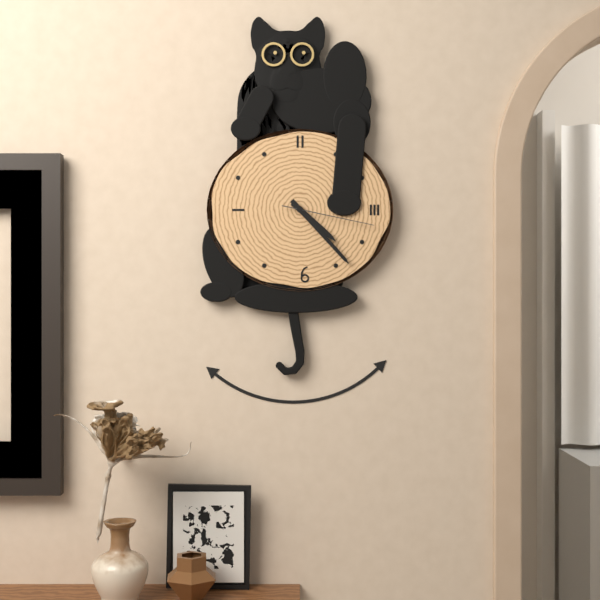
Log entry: {"hour": 4, "minute": 23, "second": 17}
